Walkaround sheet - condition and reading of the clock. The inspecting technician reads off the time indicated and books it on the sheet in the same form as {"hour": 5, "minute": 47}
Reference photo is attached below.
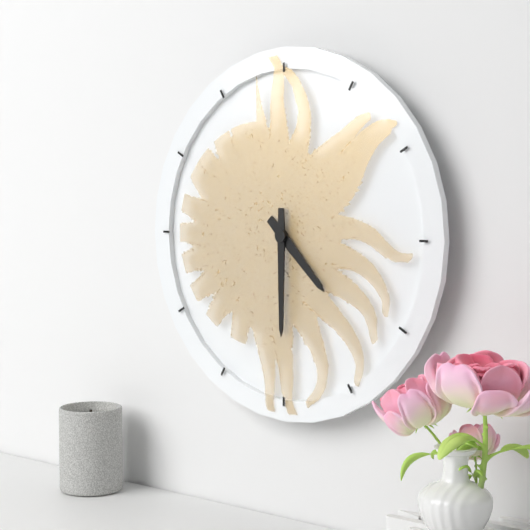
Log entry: {"hour": 4, "minute": 30}
